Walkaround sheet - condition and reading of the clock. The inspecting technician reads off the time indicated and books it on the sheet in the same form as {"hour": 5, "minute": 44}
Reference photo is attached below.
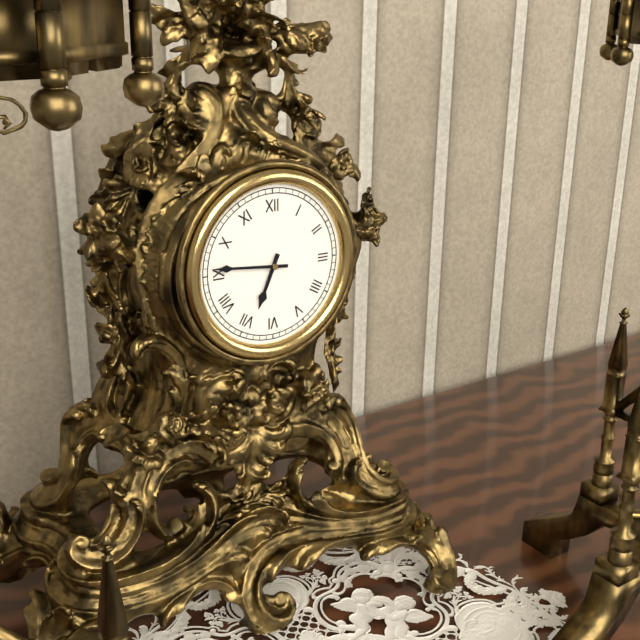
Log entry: {"hour": 6, "minute": 46}
